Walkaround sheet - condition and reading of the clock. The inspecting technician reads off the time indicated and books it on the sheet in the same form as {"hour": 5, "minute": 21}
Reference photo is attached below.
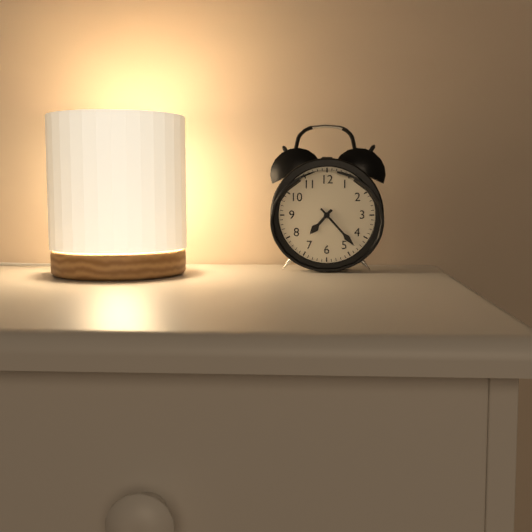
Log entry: {"hour": 7, "minute": 23}
